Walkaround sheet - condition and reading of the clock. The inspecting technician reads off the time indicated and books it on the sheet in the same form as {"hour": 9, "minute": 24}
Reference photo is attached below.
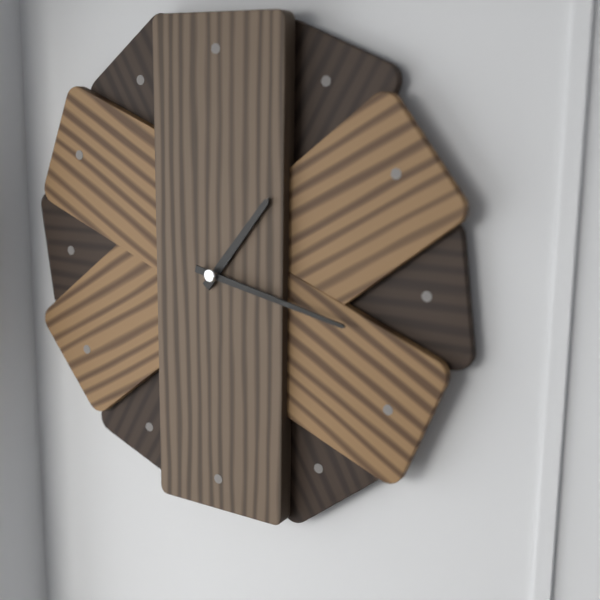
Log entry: {"hour": 1, "minute": 17}
